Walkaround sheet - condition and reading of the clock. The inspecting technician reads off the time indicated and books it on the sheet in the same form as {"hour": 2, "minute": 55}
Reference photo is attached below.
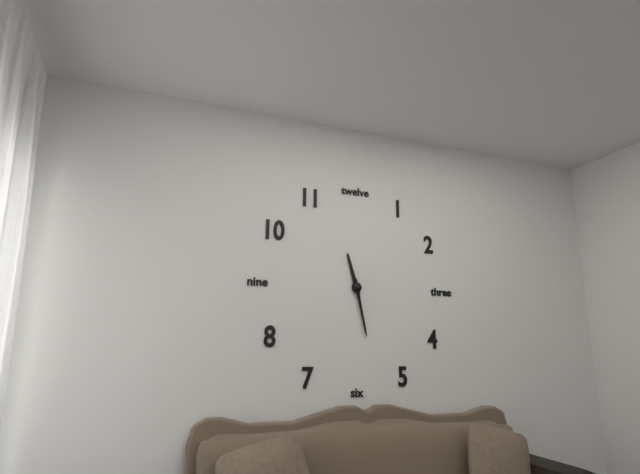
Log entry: {"hour": 11, "minute": 28}
